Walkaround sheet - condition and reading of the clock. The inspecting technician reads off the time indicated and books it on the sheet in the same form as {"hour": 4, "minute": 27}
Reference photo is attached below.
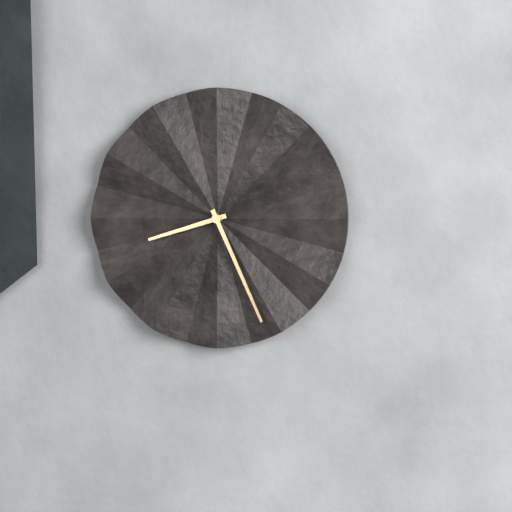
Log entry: {"hour": 8, "minute": 26}
